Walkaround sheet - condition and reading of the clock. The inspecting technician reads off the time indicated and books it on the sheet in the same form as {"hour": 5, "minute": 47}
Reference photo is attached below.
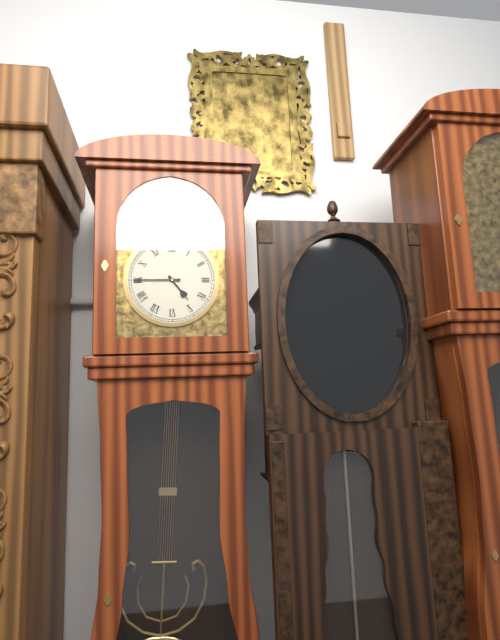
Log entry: {"hour": 4, "minute": 45}
